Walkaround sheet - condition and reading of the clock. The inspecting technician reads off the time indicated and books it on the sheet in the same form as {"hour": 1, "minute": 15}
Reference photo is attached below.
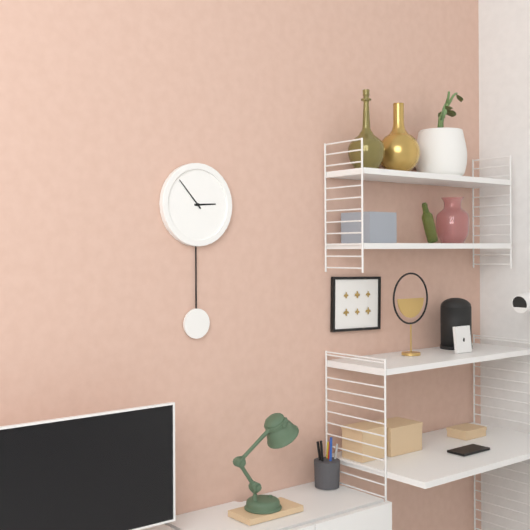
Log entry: {"hour": 2, "minute": 53}
